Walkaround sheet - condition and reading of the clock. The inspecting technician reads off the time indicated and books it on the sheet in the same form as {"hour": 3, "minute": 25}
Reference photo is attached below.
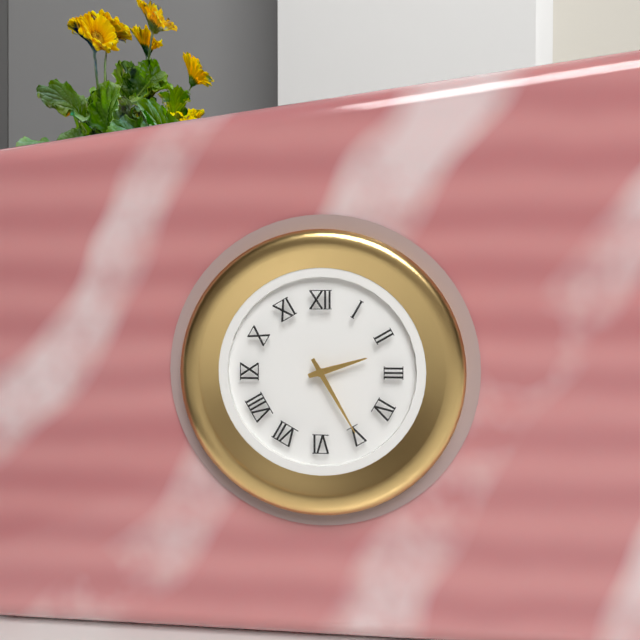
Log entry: {"hour": 2, "minute": 25}
